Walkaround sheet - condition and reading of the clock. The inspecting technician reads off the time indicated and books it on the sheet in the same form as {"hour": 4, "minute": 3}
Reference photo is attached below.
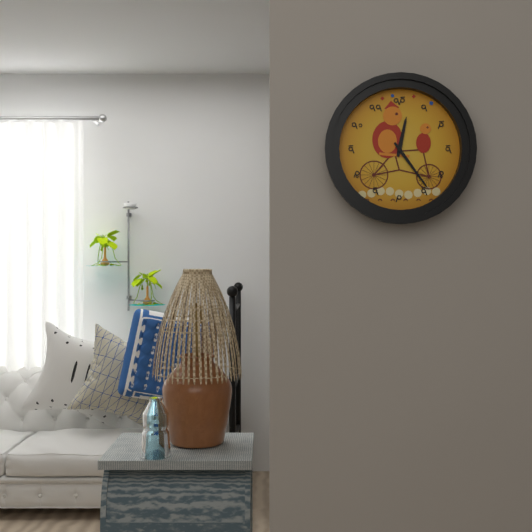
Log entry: {"hour": 12, "minute": 24}
